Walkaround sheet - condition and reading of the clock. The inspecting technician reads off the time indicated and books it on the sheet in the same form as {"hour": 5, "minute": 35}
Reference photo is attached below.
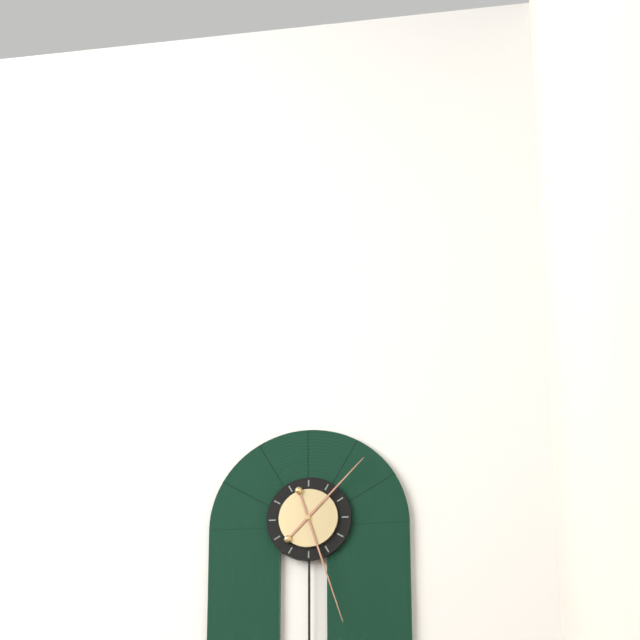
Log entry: {"hour": 1, "minute": 27}
